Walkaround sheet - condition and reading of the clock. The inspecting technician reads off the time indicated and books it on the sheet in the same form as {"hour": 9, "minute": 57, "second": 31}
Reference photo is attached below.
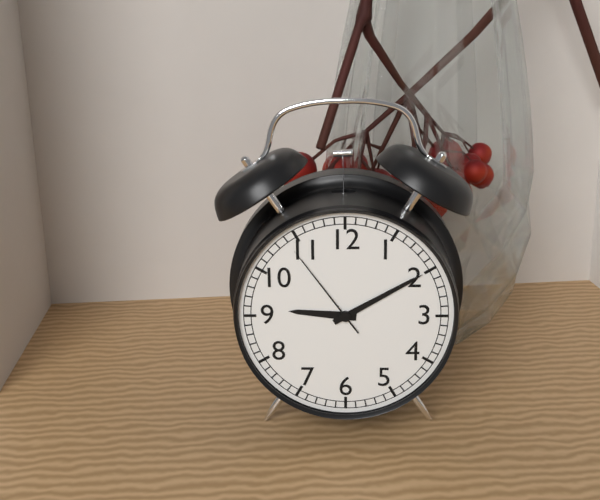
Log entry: {"hour": 9, "minute": 10, "second": 54}
